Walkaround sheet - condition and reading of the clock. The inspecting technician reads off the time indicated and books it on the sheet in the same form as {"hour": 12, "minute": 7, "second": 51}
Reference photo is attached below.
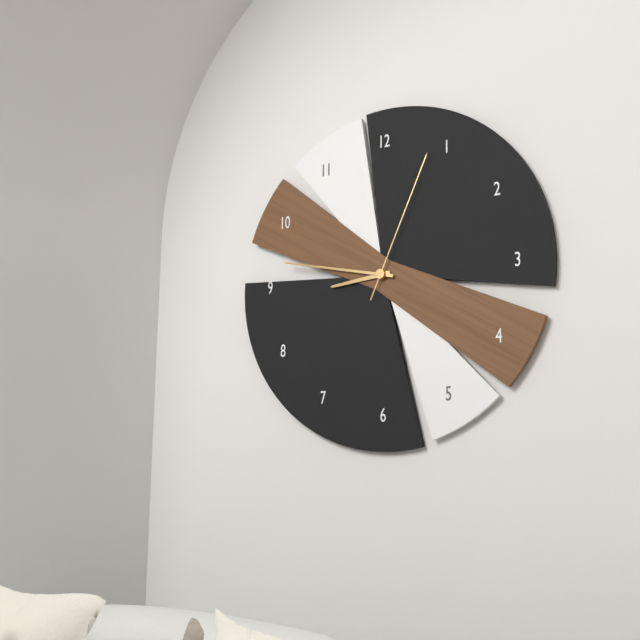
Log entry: {"hour": 8, "minute": 47, "second": 4}
